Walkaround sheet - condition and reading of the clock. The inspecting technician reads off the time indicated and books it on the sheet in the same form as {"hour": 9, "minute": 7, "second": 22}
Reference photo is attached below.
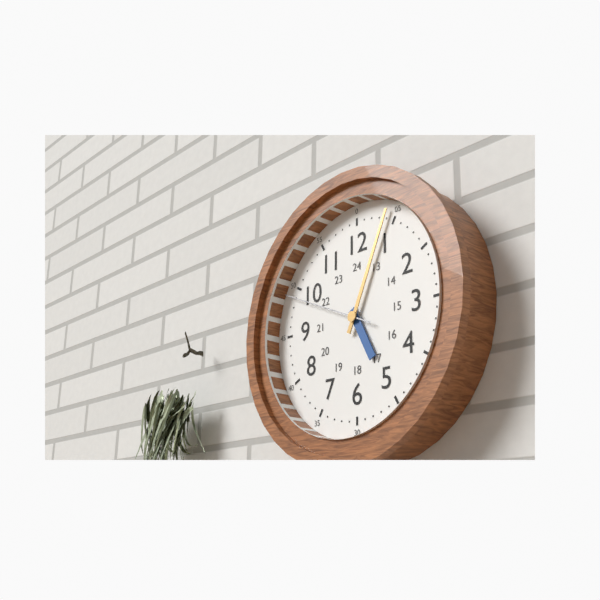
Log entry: {"hour": 5, "minute": 4, "second": 49}
